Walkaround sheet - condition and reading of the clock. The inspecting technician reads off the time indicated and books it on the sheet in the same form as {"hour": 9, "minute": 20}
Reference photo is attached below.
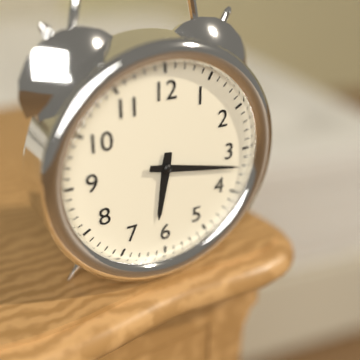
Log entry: {"hour": 6, "minute": 17}
